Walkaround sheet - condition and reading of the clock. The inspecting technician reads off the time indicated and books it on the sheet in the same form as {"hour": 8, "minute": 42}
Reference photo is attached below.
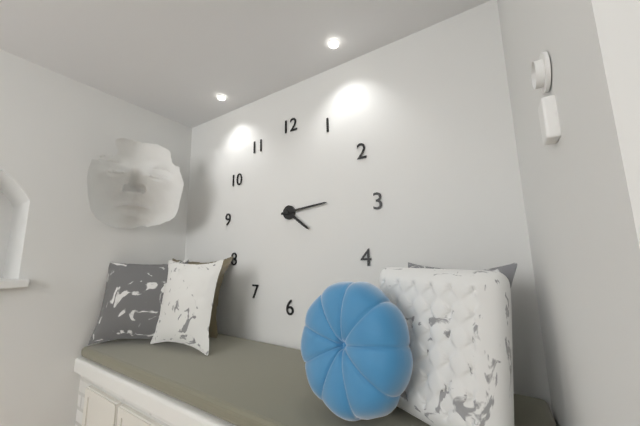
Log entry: {"hour": 4, "minute": 14}
